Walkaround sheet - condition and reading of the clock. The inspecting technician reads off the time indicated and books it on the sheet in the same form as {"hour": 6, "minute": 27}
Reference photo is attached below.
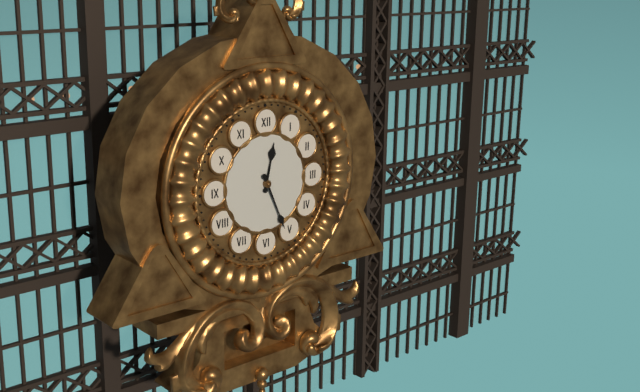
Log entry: {"hour": 12, "minute": 26}
